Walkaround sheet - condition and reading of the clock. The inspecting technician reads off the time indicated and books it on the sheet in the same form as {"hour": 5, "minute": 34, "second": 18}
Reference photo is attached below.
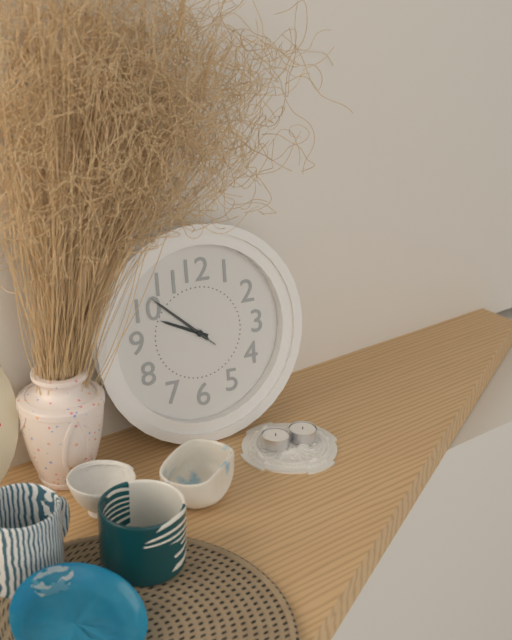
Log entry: {"hour": 9, "minute": 52, "second": 52}
